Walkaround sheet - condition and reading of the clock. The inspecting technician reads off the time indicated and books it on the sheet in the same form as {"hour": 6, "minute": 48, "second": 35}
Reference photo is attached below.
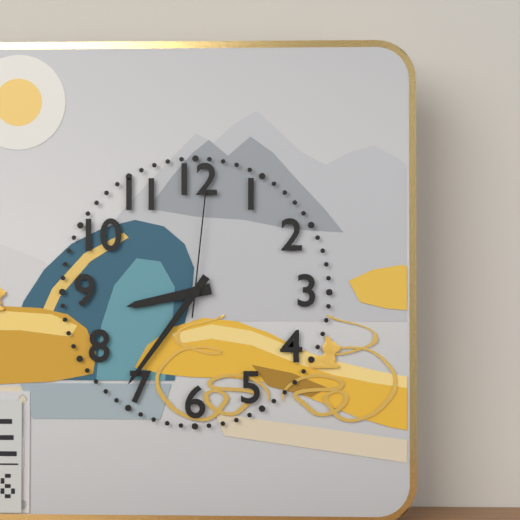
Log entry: {"hour": 8, "minute": 36, "second": 1}
